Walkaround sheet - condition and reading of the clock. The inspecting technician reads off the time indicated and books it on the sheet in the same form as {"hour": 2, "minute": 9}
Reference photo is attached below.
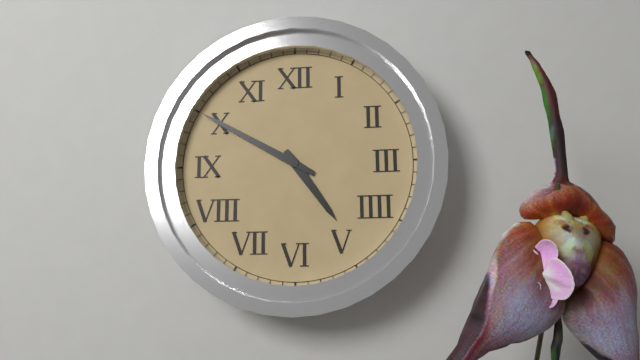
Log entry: {"hour": 4, "minute": 50}
